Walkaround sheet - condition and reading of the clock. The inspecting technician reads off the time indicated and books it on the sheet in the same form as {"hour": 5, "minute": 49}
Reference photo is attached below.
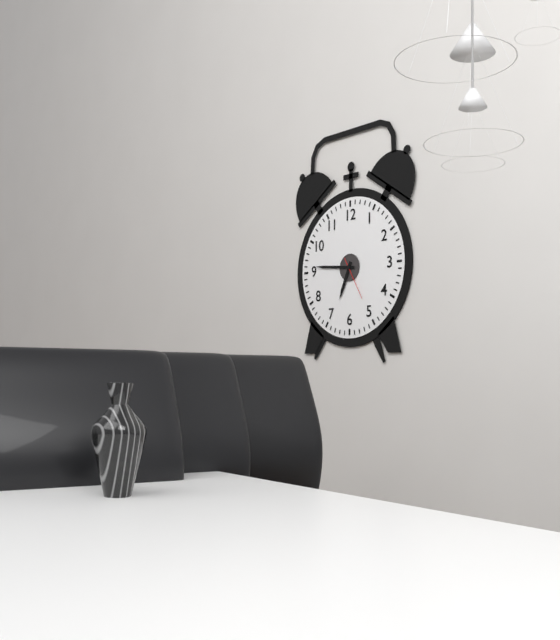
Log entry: {"hour": 6, "minute": 46}
